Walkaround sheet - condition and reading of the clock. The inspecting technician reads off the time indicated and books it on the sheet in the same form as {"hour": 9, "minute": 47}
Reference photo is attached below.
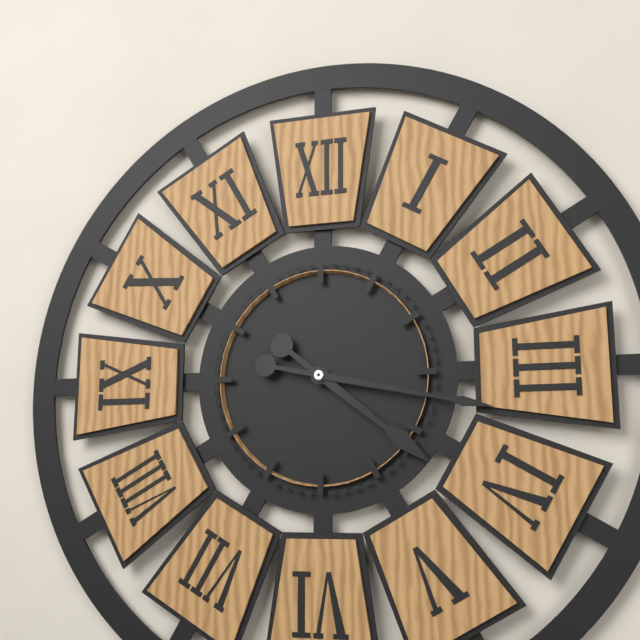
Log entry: {"hour": 4, "minute": 17}
